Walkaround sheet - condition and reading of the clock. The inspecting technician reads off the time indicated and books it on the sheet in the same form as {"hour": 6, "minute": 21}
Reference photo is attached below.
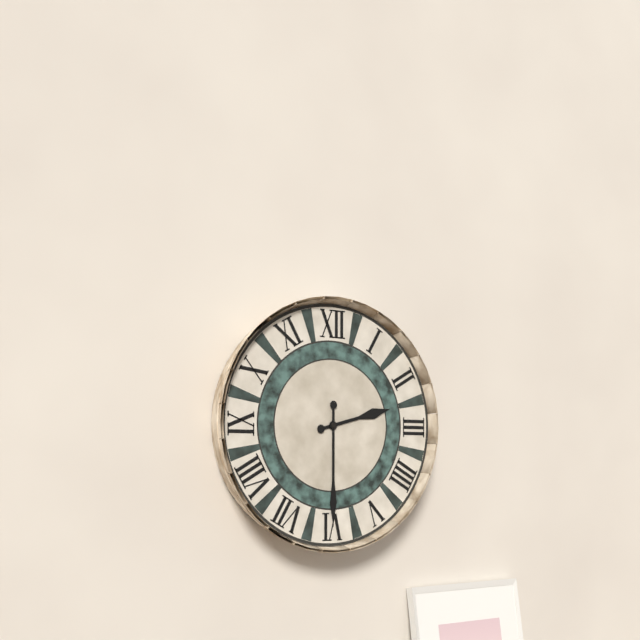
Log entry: {"hour": 2, "minute": 30}
